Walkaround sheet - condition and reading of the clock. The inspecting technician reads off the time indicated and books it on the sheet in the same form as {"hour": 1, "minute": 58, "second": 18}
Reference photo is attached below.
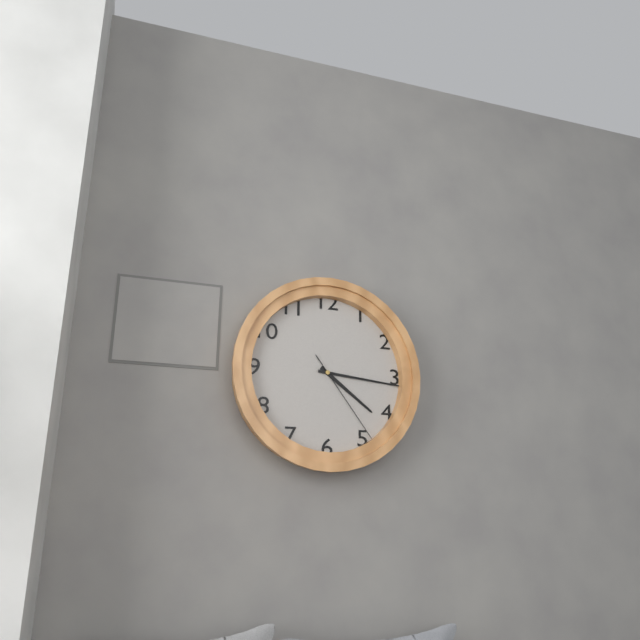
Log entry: {"hour": 4, "minute": 16, "second": 24}
